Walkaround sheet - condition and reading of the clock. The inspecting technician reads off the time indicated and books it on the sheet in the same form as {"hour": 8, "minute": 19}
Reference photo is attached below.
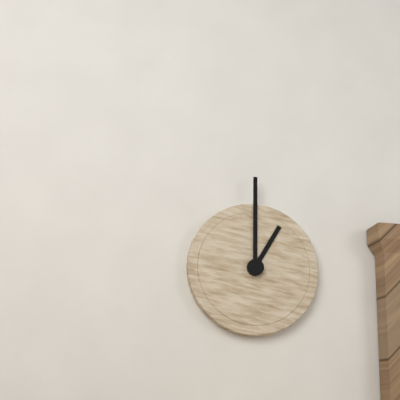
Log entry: {"hour": 1, "minute": 0}
